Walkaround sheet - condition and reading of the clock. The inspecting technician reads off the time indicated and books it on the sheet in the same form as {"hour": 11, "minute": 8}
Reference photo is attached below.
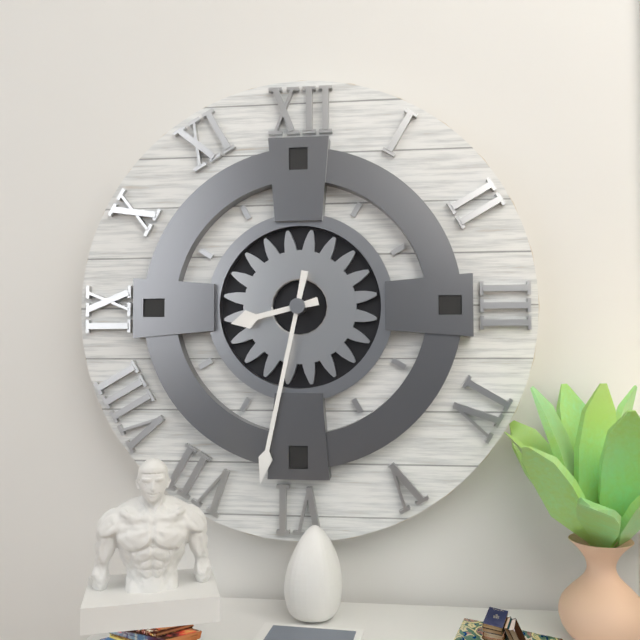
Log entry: {"hour": 8, "minute": 32}
